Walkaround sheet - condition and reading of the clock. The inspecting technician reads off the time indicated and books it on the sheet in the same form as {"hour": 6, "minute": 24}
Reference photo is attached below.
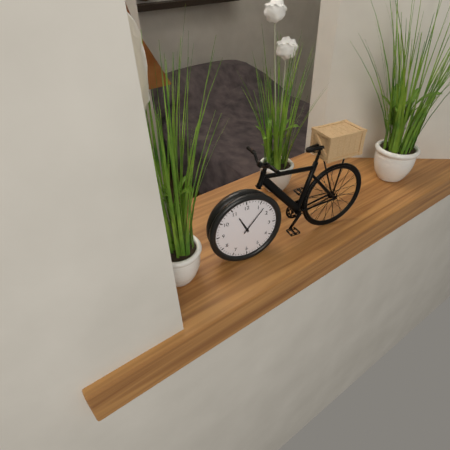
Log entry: {"hour": 11, "minute": 7}
